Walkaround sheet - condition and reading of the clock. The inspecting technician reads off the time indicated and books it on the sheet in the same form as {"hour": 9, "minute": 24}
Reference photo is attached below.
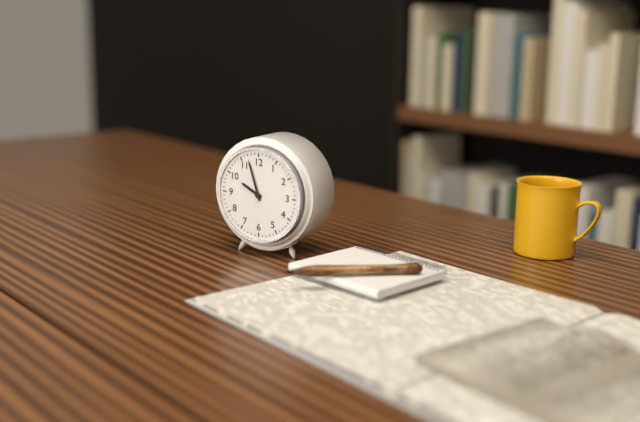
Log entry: {"hour": 9, "minute": 57}
